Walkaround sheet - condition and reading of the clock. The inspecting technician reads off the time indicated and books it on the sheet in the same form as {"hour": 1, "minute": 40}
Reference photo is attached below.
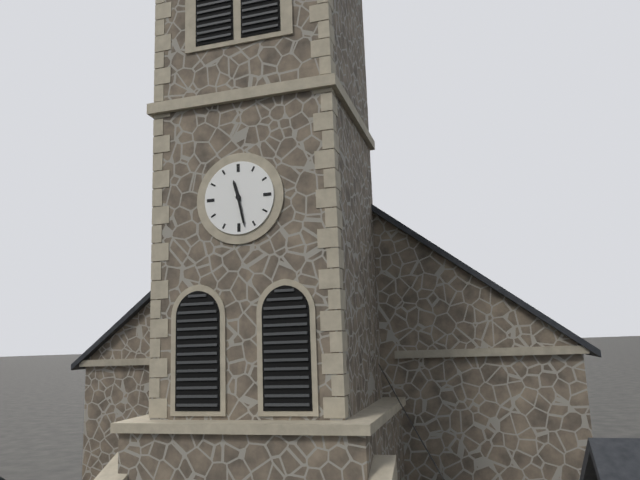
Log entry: {"hour": 11, "minute": 28}
